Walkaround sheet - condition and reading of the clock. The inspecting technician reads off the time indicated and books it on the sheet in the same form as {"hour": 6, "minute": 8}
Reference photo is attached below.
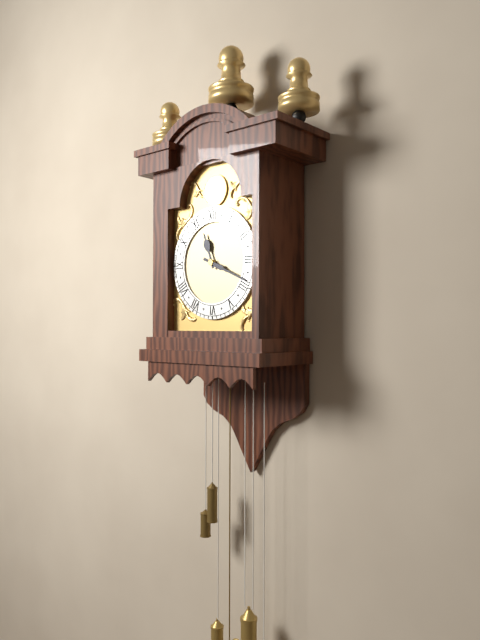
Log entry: {"hour": 11, "minute": 19}
